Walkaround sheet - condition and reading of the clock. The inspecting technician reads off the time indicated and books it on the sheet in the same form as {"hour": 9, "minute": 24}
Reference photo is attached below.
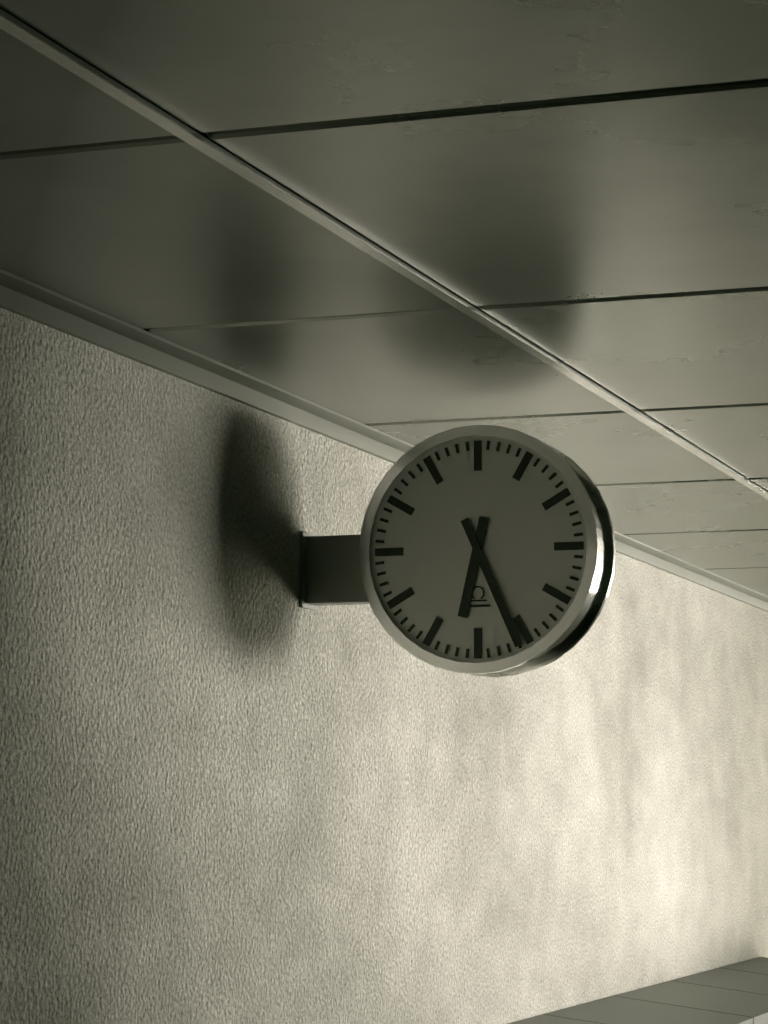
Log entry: {"hour": 6, "minute": 26}
